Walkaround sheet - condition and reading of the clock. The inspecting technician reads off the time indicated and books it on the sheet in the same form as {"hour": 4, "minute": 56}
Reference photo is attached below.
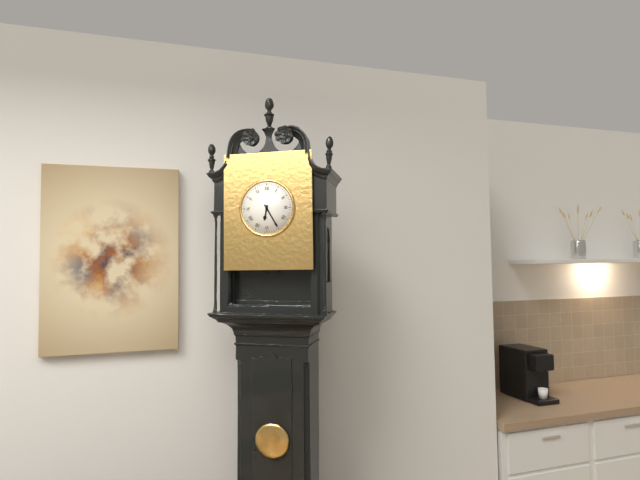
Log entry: {"hour": 6, "minute": 25}
